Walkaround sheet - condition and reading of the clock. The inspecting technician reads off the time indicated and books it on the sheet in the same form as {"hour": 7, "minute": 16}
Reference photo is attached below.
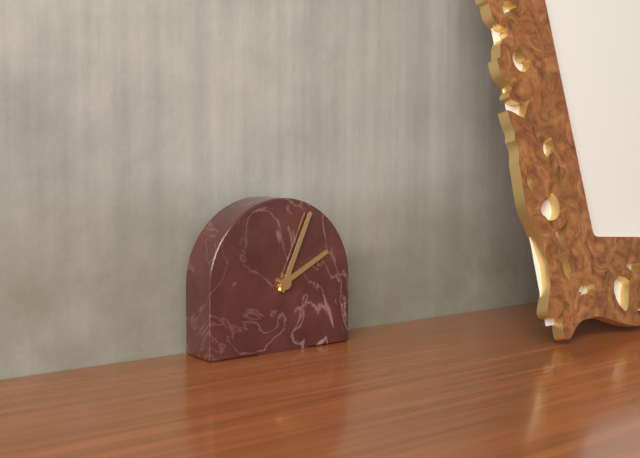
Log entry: {"hour": 2, "minute": 4}
